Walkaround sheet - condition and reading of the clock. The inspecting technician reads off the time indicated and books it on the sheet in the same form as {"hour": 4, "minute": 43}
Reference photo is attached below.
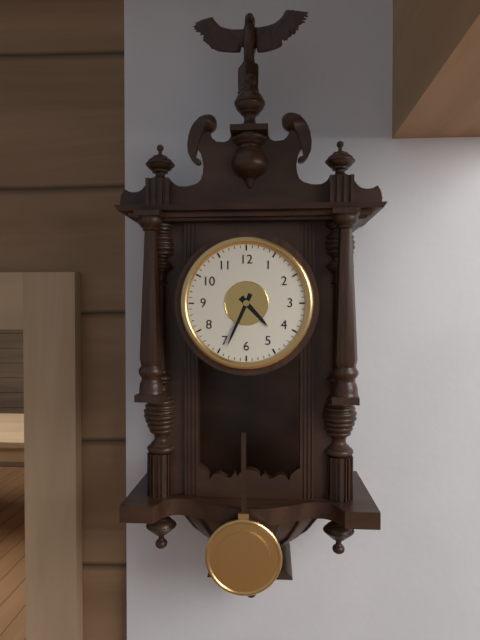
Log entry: {"hour": 4, "minute": 34}
